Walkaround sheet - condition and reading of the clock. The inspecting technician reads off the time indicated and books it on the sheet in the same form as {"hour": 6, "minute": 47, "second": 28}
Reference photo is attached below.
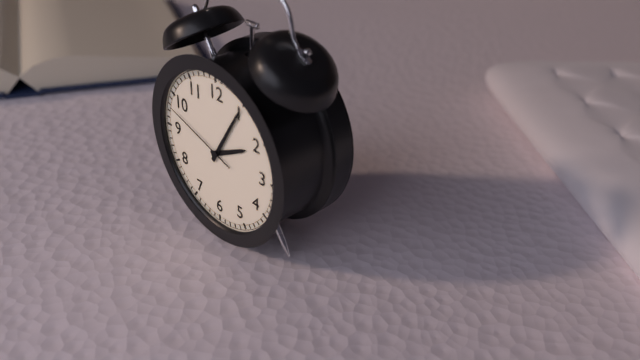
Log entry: {"hour": 2, "minute": 5, "second": 48}
